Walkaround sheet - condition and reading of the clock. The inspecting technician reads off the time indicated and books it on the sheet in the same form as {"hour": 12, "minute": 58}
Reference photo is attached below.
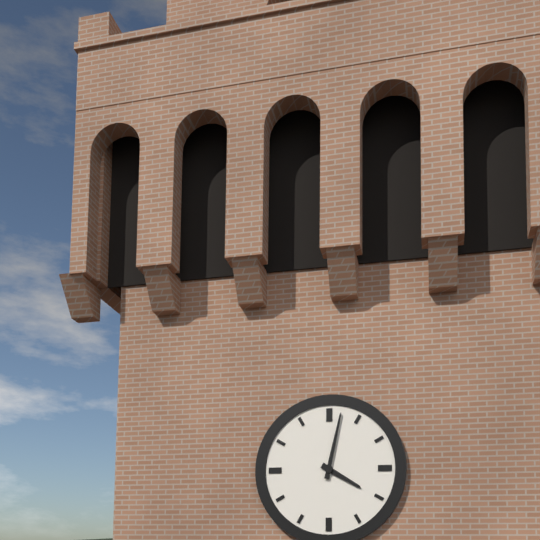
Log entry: {"hour": 4, "minute": 2}
